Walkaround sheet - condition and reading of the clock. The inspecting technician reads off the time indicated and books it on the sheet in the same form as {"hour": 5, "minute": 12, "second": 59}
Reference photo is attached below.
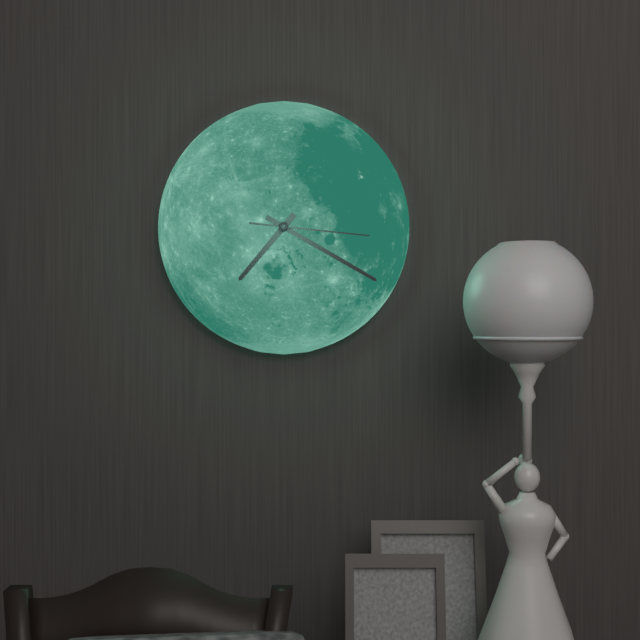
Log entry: {"hour": 7, "minute": 20, "second": 16}
